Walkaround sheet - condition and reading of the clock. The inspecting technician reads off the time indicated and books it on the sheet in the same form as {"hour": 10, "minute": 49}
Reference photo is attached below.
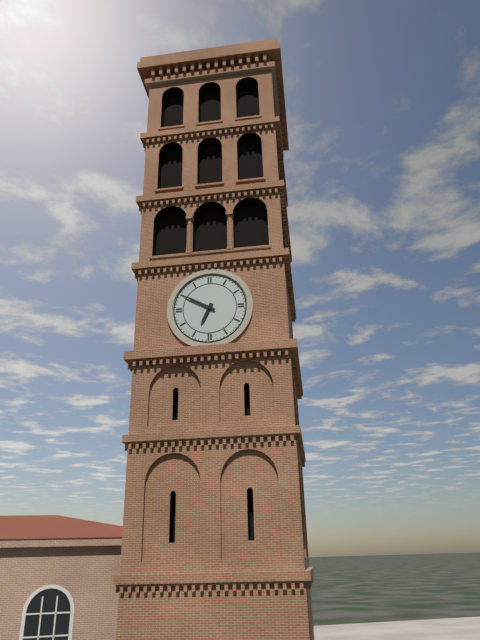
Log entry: {"hour": 6, "minute": 50}
